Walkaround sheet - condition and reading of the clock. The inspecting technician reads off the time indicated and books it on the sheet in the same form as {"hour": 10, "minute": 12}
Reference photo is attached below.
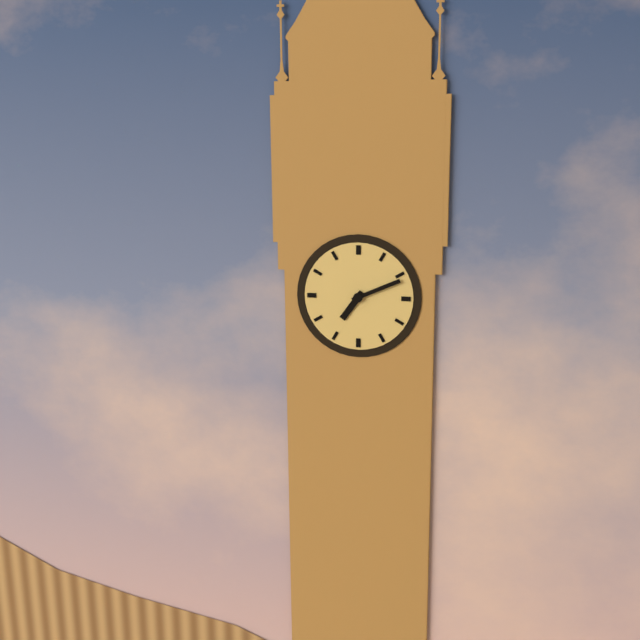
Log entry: {"hour": 7, "minute": 11}
